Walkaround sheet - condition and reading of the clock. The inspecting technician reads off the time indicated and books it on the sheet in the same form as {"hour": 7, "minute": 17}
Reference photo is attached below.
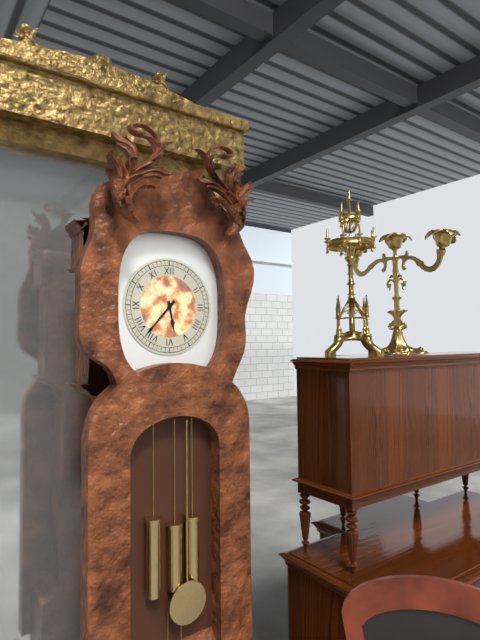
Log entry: {"hour": 5, "minute": 37}
